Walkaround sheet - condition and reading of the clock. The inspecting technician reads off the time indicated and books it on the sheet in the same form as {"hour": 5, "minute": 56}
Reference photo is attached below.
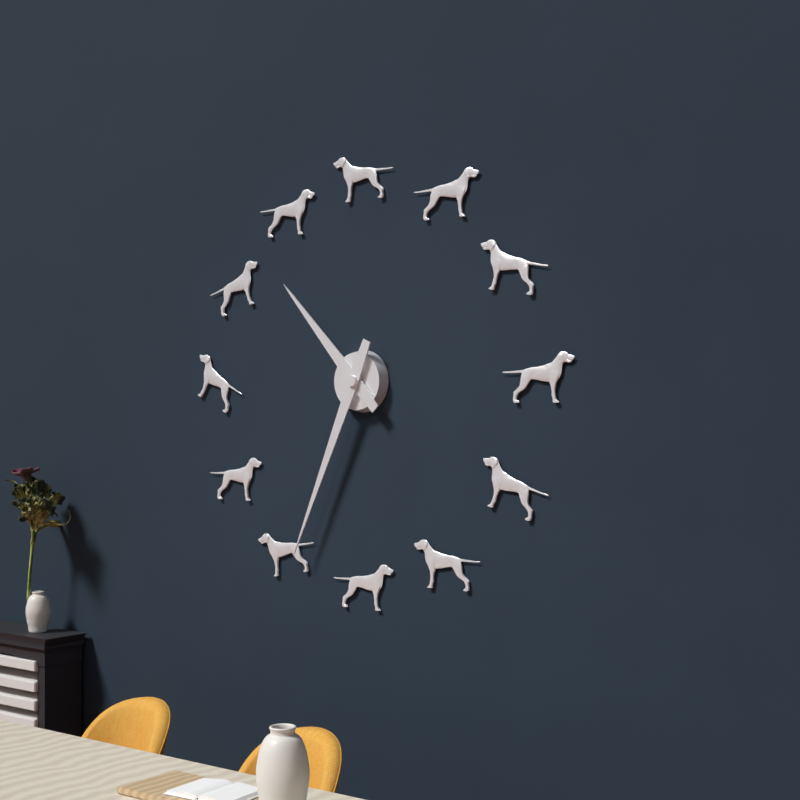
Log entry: {"hour": 10, "minute": 34}
